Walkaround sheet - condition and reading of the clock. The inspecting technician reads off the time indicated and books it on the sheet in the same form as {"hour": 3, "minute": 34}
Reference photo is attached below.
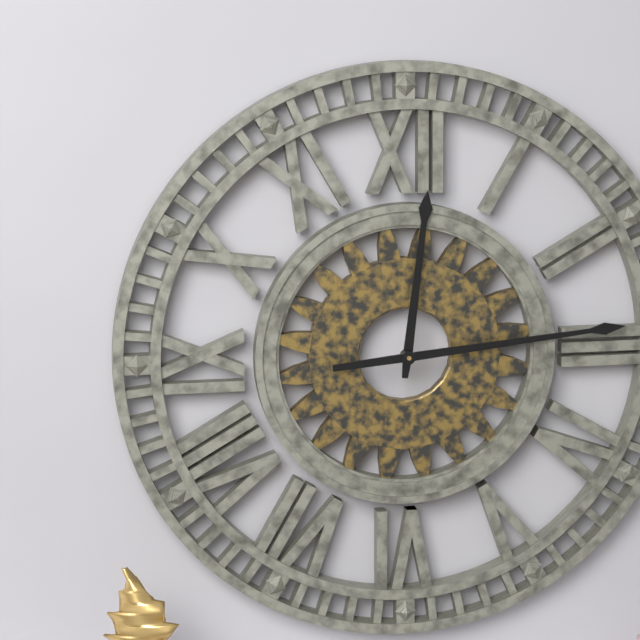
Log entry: {"hour": 12, "minute": 14}
